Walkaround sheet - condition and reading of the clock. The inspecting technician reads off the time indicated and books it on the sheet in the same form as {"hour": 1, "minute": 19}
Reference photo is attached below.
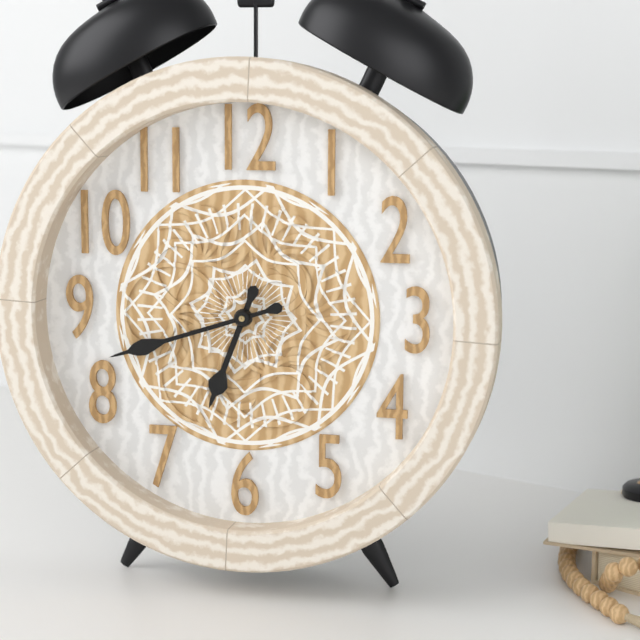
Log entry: {"hour": 6, "minute": 42}
